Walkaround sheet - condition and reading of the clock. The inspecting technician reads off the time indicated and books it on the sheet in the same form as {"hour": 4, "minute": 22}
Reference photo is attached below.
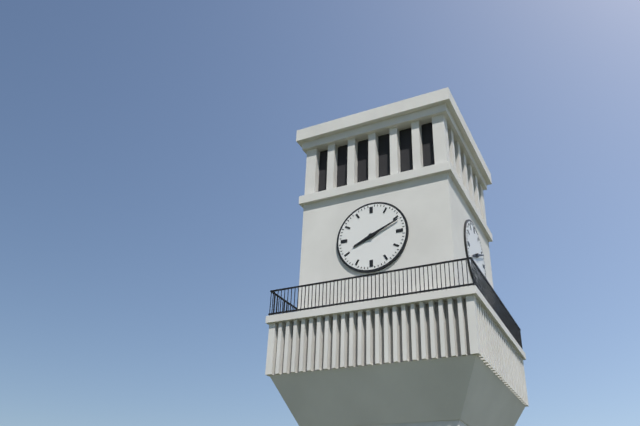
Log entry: {"hour": 8, "minute": 11}
